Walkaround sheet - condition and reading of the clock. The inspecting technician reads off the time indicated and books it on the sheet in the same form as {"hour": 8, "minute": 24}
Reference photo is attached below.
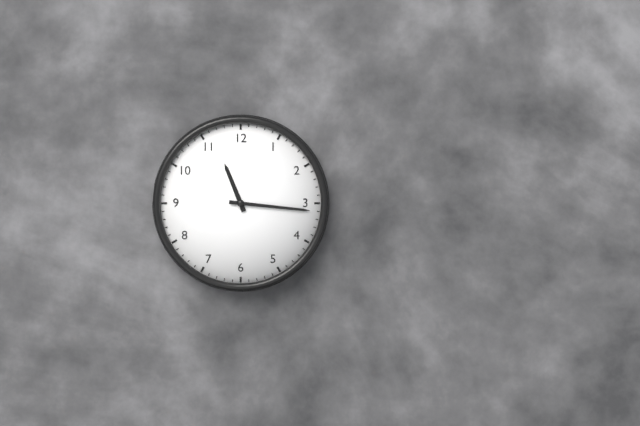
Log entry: {"hour": 11, "minute": 16}
